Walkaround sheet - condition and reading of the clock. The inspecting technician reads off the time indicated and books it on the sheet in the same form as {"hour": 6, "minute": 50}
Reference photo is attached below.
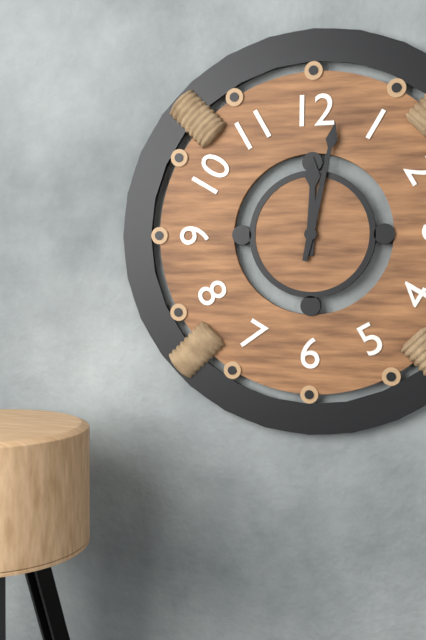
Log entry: {"hour": 12, "minute": 2}
